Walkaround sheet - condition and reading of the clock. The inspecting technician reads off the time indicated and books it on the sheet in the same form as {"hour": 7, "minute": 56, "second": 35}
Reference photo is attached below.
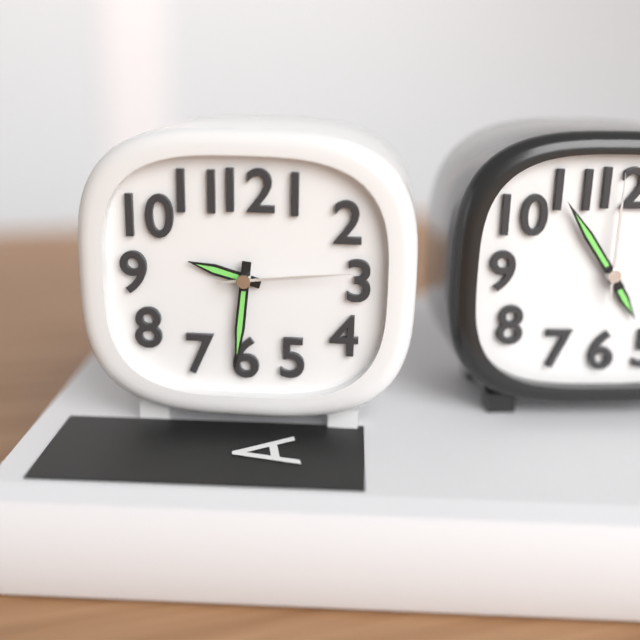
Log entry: {"hour": 9, "minute": 31, "second": 14}
